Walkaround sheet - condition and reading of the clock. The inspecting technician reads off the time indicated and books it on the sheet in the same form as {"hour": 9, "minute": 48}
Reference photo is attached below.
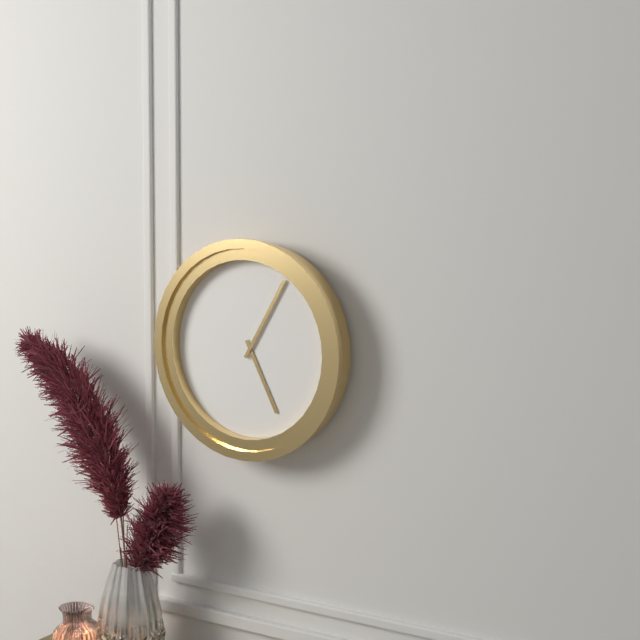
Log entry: {"hour": 5, "minute": 5}
